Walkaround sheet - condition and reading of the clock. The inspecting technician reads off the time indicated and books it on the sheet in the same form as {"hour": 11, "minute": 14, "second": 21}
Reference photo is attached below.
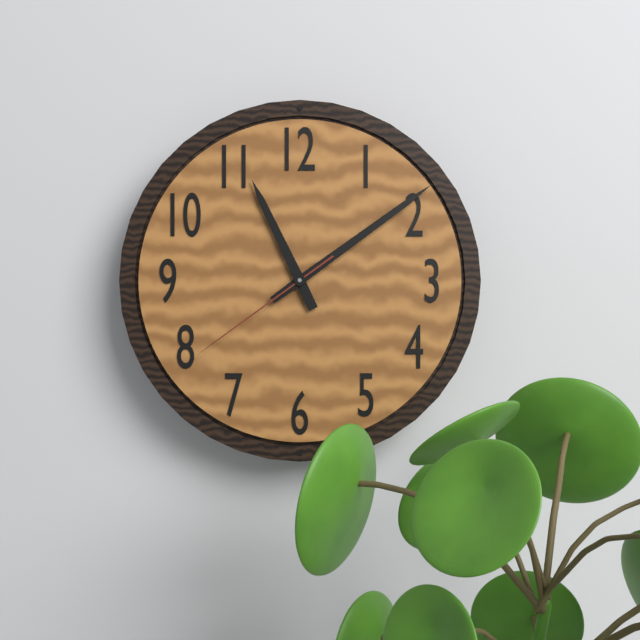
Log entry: {"hour": 11, "minute": 9, "second": 39}
